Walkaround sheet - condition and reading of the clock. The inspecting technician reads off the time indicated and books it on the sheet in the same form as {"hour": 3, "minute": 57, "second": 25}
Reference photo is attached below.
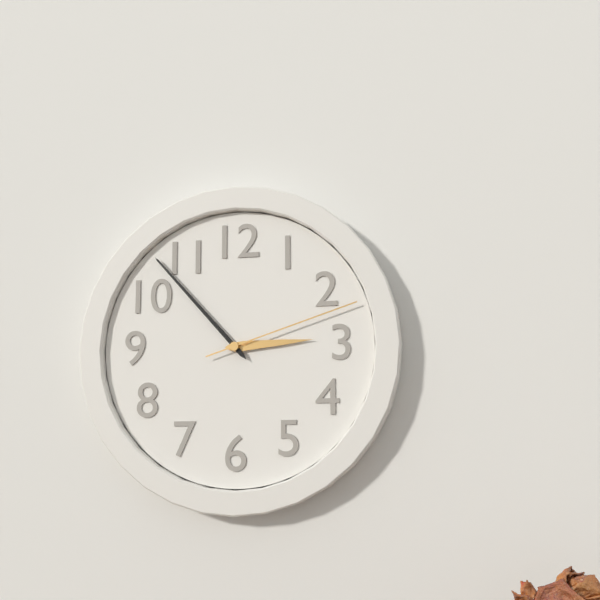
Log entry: {"hour": 2, "minute": 53, "second": 12}
